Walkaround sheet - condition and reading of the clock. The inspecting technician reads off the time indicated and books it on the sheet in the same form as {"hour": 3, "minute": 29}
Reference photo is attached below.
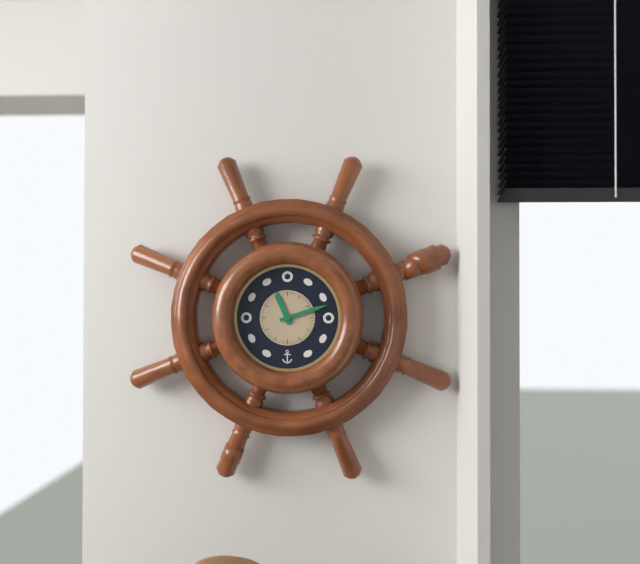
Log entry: {"hour": 11, "minute": 12}
